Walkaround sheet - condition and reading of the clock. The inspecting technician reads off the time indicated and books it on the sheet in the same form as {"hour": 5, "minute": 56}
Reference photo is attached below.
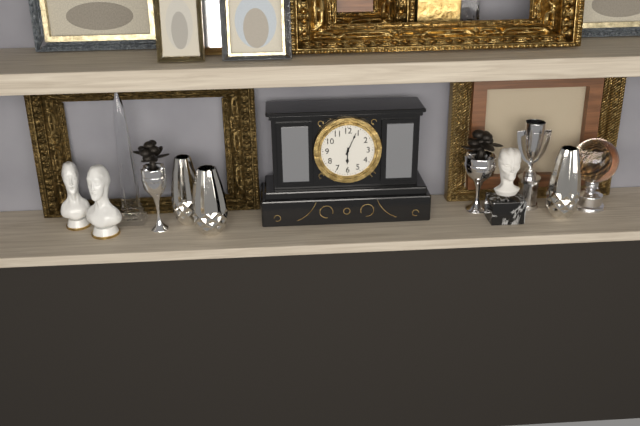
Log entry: {"hour": 6, "minute": 4}
